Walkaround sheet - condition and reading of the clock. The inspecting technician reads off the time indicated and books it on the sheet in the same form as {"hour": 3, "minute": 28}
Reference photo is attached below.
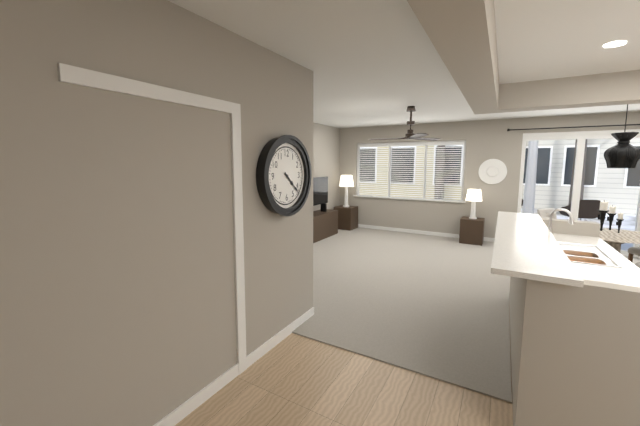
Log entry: {"hour": 4, "minute": 22}
